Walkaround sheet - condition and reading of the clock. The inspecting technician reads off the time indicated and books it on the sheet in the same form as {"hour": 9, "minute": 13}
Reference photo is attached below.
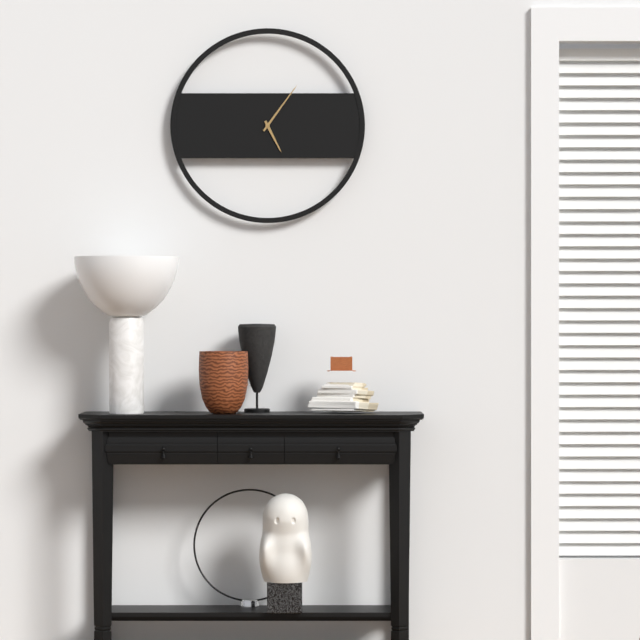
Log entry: {"hour": 5, "minute": 6}
